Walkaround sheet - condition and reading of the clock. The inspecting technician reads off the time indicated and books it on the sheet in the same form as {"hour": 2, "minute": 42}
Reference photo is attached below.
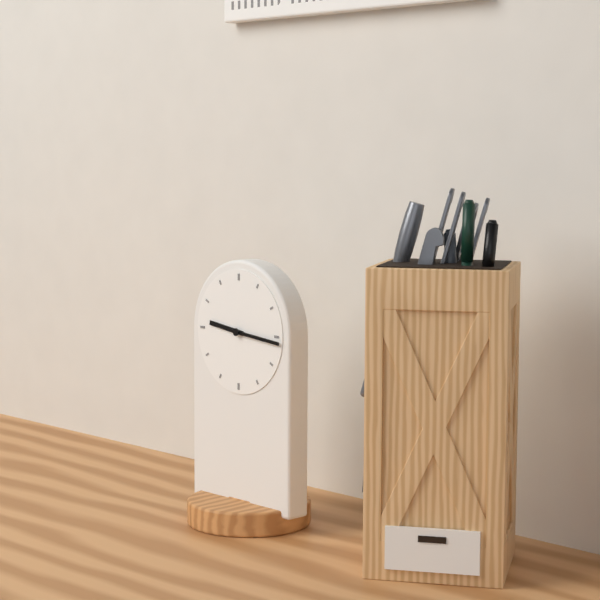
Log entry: {"hour": 9, "minute": 16}
